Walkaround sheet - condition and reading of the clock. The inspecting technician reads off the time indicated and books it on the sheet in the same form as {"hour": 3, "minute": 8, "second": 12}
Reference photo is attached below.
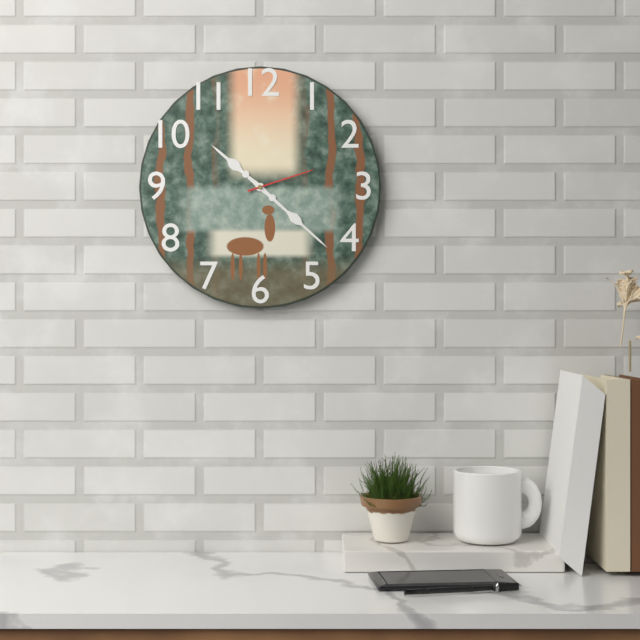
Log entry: {"hour": 10, "minute": 22, "second": 12}
